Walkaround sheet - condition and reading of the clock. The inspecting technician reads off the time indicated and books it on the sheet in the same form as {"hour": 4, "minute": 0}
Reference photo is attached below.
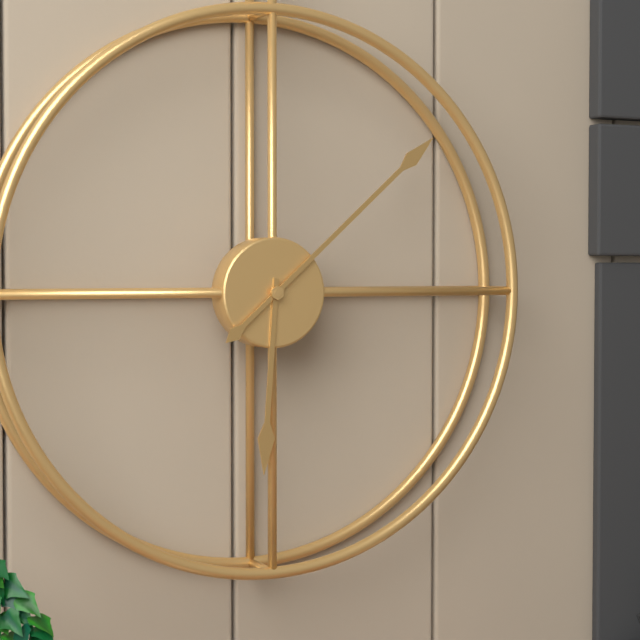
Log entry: {"hour": 6, "minute": 8}
